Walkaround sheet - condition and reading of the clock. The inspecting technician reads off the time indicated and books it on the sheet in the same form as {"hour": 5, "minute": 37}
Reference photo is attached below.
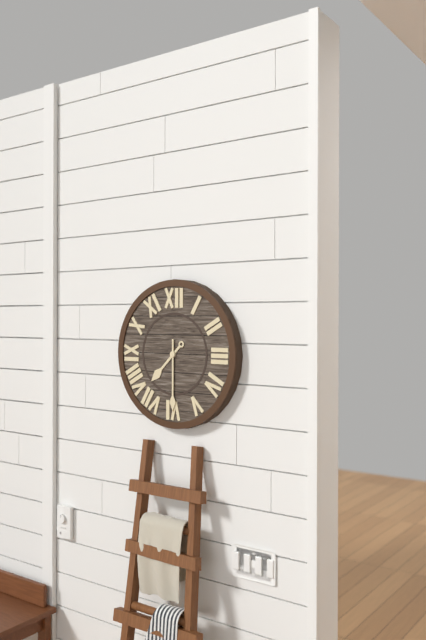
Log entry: {"hour": 7, "minute": 30}
